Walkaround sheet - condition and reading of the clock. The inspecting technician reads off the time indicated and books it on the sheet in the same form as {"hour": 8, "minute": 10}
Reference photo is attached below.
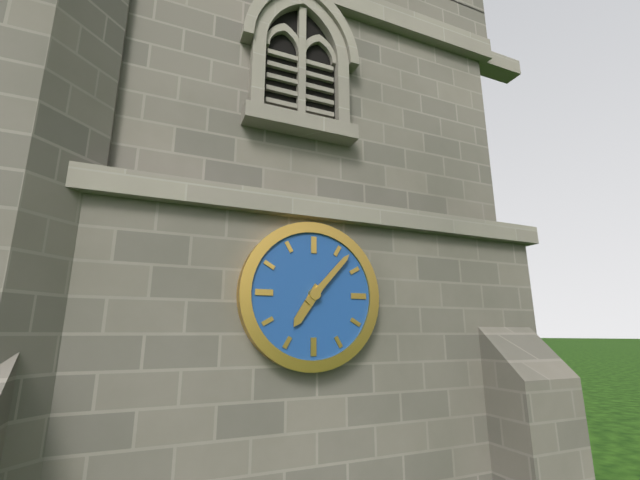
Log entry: {"hour": 7, "minute": 7}
